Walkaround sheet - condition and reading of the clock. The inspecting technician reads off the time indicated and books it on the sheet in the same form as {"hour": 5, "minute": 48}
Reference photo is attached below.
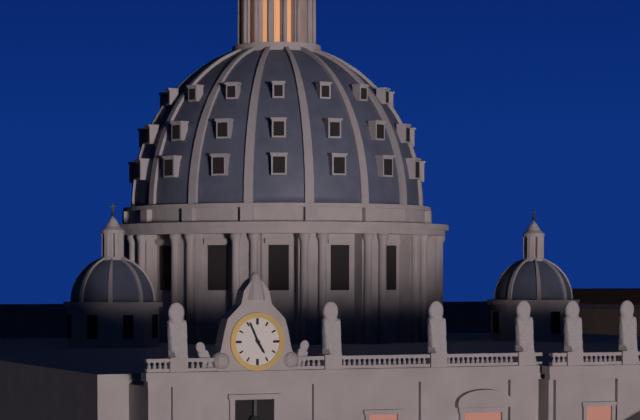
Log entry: {"hour": 4, "minute": 56}
